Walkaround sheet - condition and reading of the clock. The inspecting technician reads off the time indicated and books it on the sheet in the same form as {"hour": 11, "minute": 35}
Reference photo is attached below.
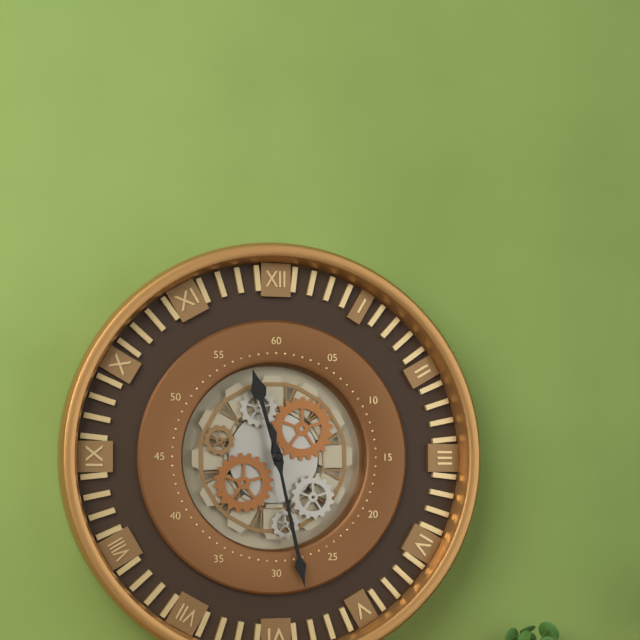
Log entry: {"hour": 11, "minute": 28}
